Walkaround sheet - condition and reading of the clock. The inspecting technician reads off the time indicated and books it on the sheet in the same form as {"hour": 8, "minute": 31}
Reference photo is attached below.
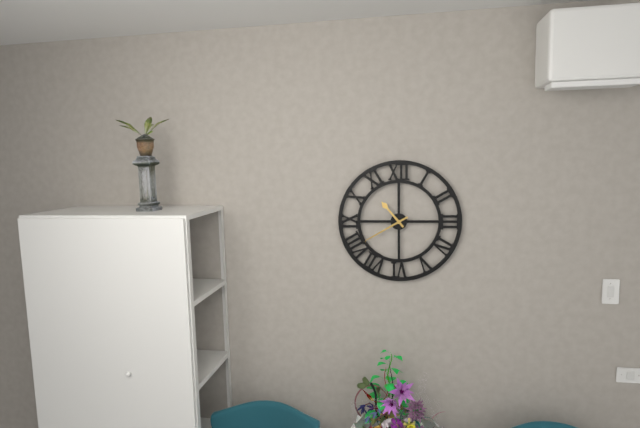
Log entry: {"hour": 10, "minute": 40}
